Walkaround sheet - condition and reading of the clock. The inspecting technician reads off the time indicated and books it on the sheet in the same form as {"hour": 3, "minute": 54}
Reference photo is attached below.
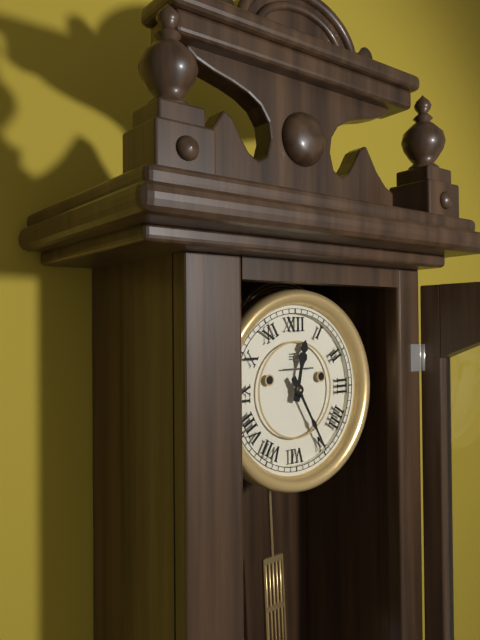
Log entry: {"hour": 12, "minute": 25}
